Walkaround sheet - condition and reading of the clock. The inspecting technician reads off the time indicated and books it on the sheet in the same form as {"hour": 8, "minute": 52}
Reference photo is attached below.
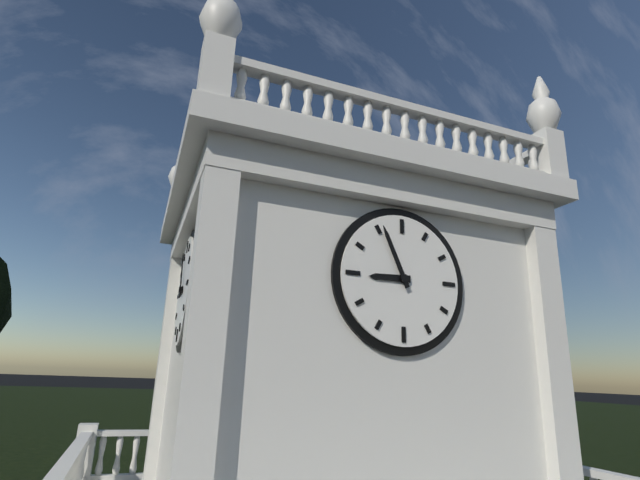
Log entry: {"hour": 8, "minute": 56}
